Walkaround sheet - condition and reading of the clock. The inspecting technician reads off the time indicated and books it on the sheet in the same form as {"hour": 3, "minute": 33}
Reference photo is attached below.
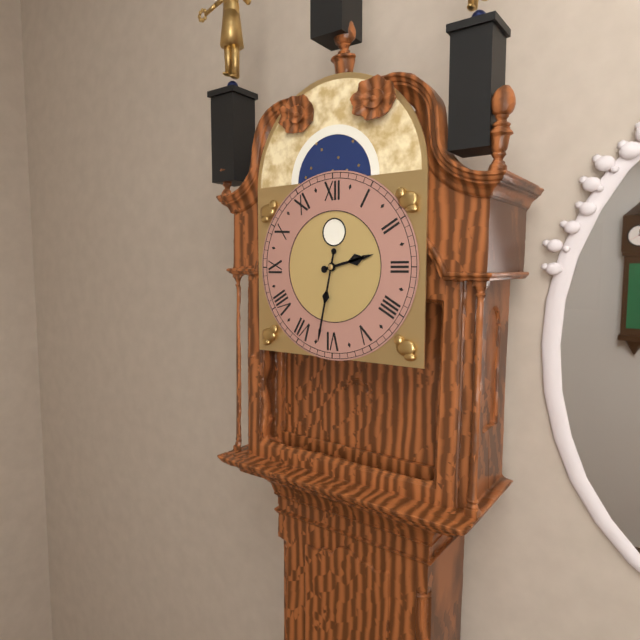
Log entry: {"hour": 2, "minute": 32}
